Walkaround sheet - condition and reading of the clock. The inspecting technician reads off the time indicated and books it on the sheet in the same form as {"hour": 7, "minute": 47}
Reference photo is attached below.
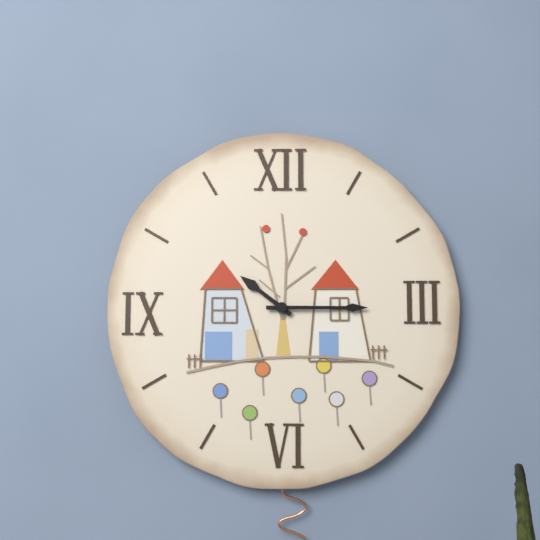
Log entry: {"hour": 10, "minute": 15}
